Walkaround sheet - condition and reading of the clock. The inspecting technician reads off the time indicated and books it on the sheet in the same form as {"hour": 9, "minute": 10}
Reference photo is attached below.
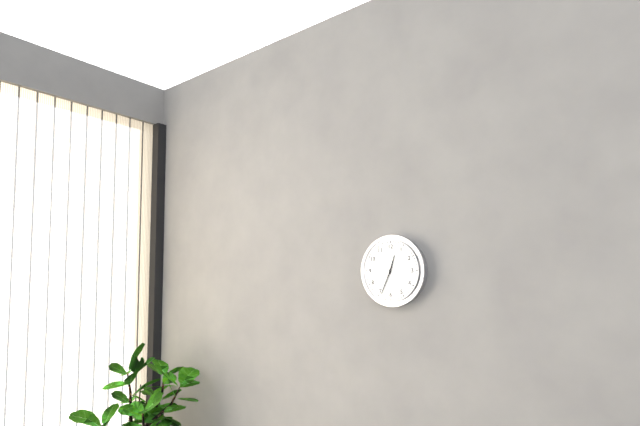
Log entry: {"hour": 12, "minute": 34}
